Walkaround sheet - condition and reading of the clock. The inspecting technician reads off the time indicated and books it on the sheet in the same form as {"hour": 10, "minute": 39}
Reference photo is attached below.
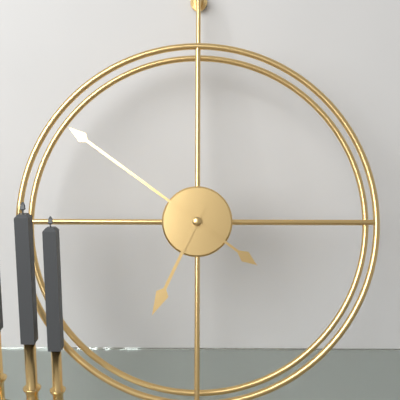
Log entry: {"hour": 6, "minute": 51}
